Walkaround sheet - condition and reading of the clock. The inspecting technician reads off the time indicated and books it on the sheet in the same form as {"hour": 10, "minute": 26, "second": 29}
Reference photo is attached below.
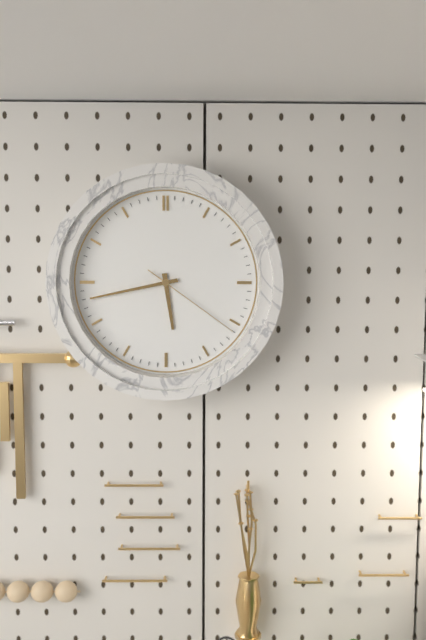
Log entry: {"hour": 5, "minute": 43, "second": 21}
